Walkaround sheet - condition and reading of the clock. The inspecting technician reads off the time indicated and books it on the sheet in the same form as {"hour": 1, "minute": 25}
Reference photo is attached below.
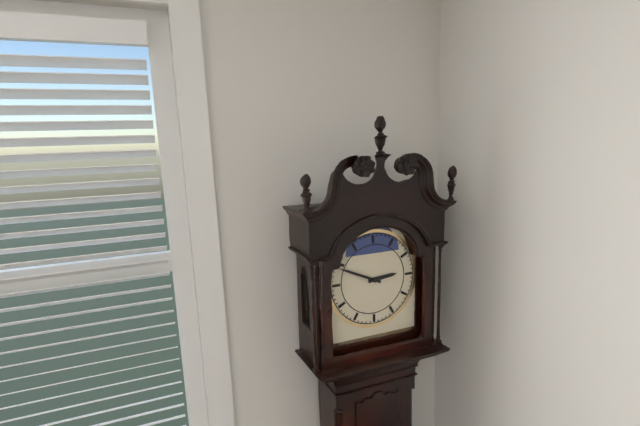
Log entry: {"hour": 2, "minute": 49}
